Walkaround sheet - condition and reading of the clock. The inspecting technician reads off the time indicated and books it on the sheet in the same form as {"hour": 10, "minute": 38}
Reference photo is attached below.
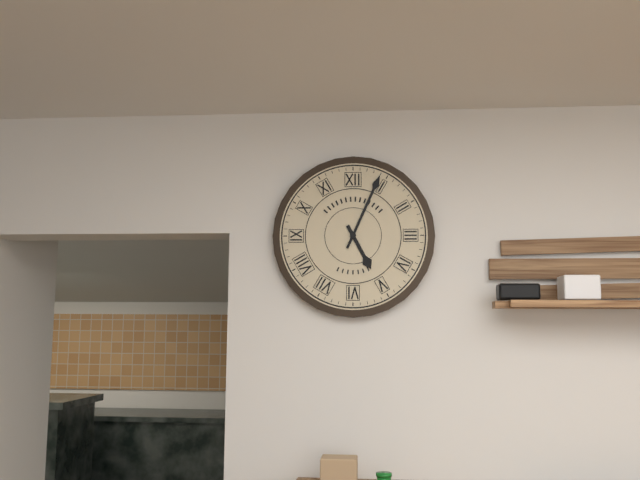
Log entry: {"hour": 5, "minute": 4}
